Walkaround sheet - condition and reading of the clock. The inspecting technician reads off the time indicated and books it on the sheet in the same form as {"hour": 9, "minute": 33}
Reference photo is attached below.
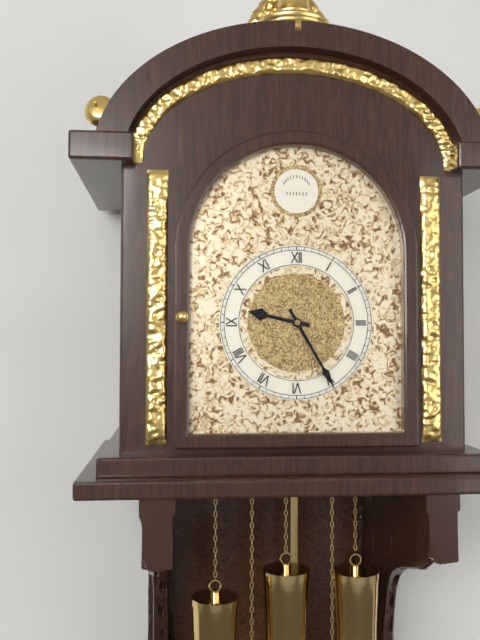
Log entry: {"hour": 9, "minute": 25}
